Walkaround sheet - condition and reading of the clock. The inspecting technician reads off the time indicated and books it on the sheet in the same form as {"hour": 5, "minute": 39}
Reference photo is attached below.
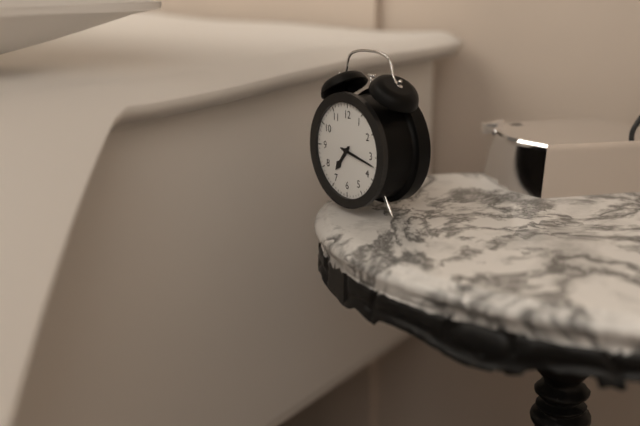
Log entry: {"hour": 7, "minute": 17}
